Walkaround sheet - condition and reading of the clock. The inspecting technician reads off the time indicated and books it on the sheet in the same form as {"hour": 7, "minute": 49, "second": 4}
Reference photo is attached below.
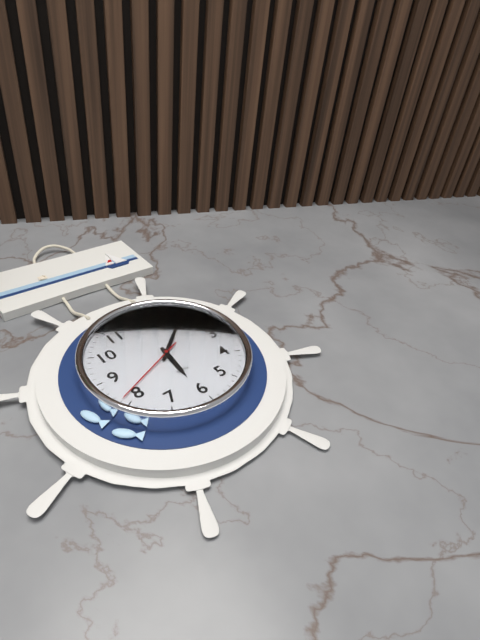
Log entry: {"hour": 6, "minute": 8, "second": 41}
